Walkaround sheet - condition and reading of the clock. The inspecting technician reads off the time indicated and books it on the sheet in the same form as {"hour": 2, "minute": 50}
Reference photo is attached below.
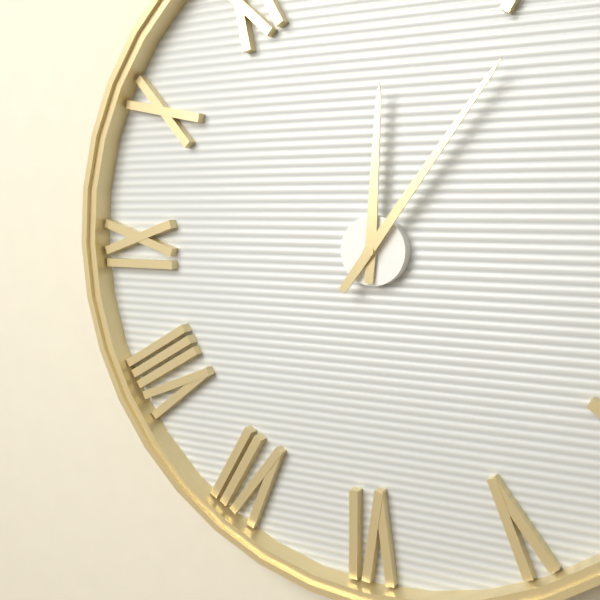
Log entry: {"hour": 12, "minute": 6}
